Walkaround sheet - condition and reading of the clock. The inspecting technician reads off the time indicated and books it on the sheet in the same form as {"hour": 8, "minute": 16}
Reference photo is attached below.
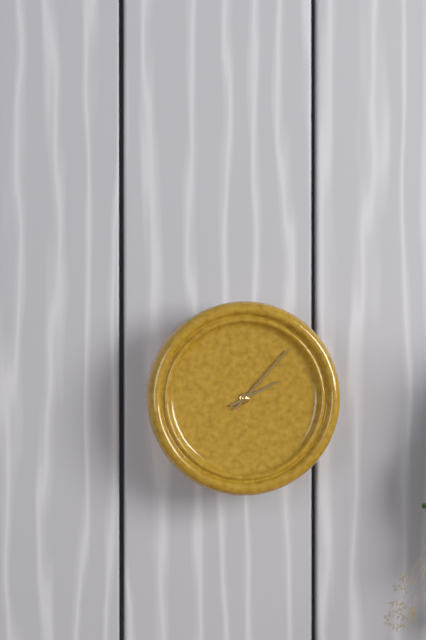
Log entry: {"hour": 2, "minute": 7}
